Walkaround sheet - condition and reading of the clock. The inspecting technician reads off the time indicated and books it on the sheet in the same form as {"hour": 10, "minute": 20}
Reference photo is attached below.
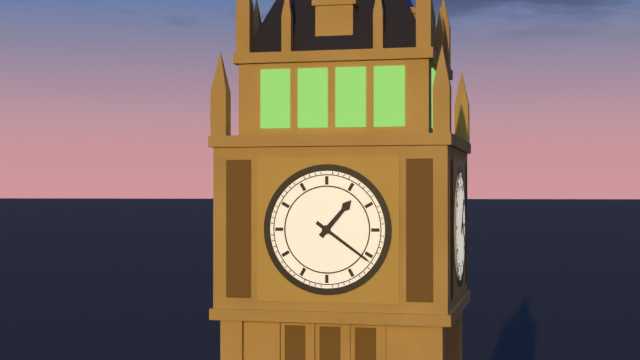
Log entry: {"hour": 1, "minute": 21}
